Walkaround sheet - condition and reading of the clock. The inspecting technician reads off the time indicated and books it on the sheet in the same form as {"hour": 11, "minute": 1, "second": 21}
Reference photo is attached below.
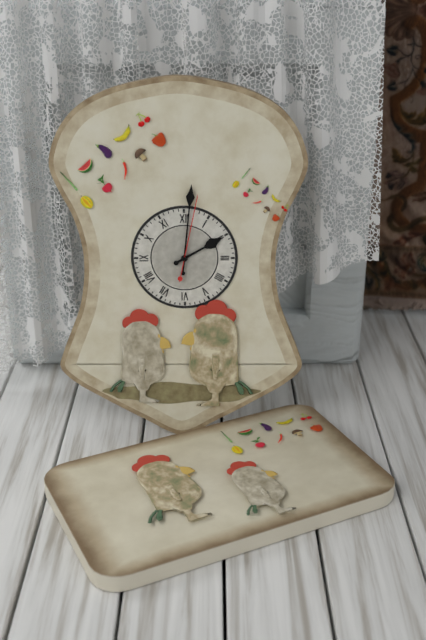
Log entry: {"hour": 2, "minute": 1, "second": 2}
